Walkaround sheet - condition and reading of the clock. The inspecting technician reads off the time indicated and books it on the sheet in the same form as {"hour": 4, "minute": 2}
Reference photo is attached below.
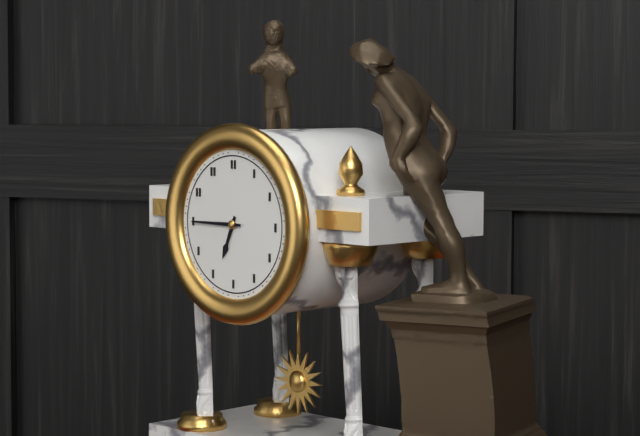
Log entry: {"hour": 6, "minute": 45}
